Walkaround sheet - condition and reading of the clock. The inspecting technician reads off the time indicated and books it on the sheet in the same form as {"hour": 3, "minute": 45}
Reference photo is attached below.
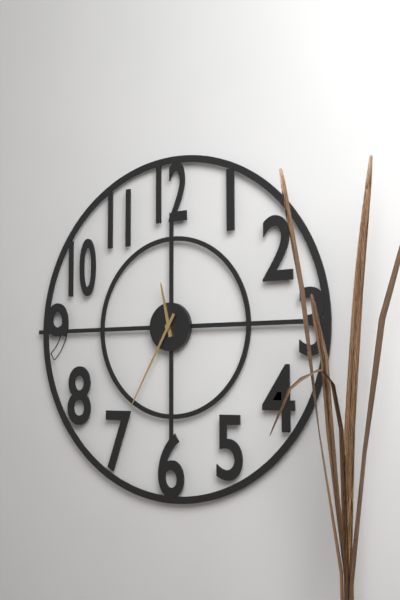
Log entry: {"hour": 11, "minute": 35}
